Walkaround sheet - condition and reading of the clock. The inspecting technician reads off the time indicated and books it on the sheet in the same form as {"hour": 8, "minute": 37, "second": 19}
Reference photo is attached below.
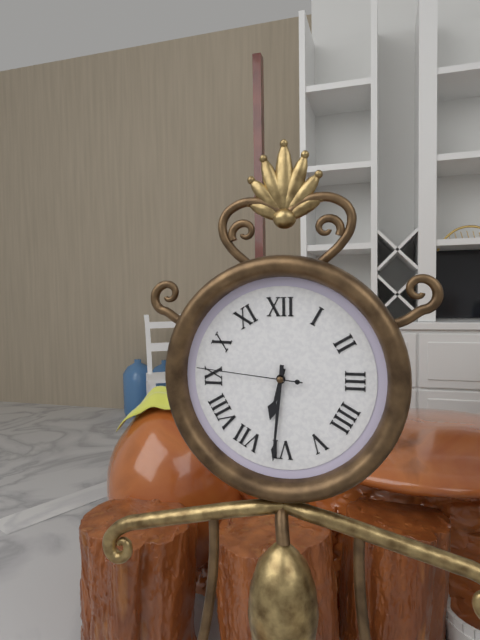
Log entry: {"hour": 6, "minute": 31, "second": 46}
